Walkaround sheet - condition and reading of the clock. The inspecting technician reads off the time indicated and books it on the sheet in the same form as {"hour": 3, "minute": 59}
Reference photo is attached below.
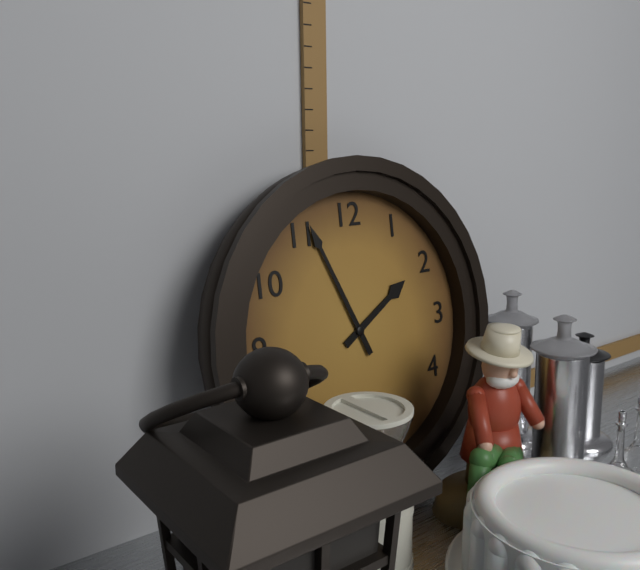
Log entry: {"hour": 1, "minute": 56}
